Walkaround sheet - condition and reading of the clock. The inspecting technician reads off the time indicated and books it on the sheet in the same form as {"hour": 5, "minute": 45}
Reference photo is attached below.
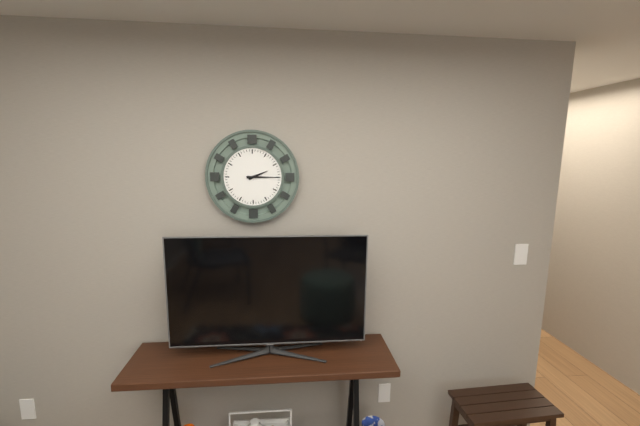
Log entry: {"hour": 2, "minute": 15}
